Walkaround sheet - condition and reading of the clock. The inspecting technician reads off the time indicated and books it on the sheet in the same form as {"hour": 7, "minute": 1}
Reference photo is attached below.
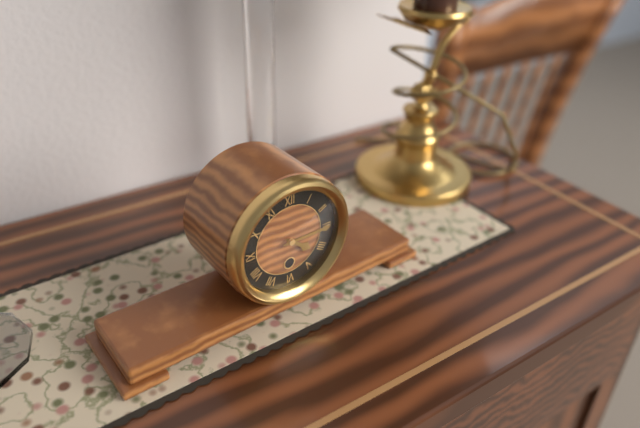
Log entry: {"hour": 4, "minute": 15}
